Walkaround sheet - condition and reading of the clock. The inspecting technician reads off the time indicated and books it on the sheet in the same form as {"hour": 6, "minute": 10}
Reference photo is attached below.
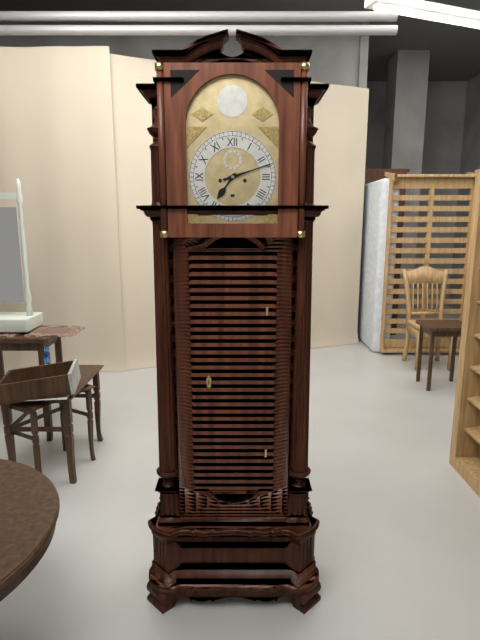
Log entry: {"hour": 7, "minute": 12}
